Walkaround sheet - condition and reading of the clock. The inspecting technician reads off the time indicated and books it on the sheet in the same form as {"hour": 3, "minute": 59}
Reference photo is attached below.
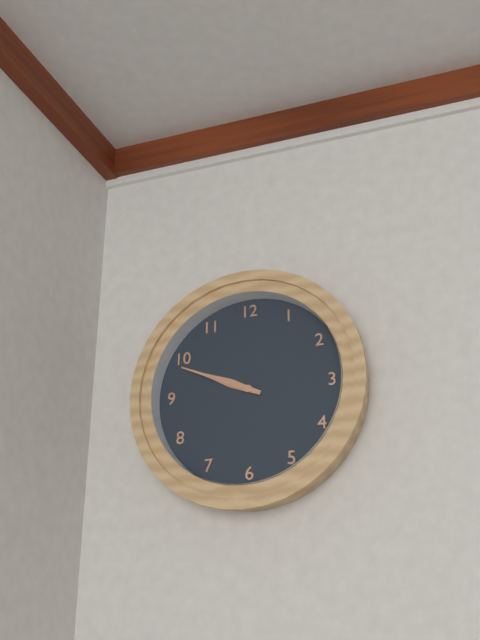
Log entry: {"hour": 9, "minute": 49}
